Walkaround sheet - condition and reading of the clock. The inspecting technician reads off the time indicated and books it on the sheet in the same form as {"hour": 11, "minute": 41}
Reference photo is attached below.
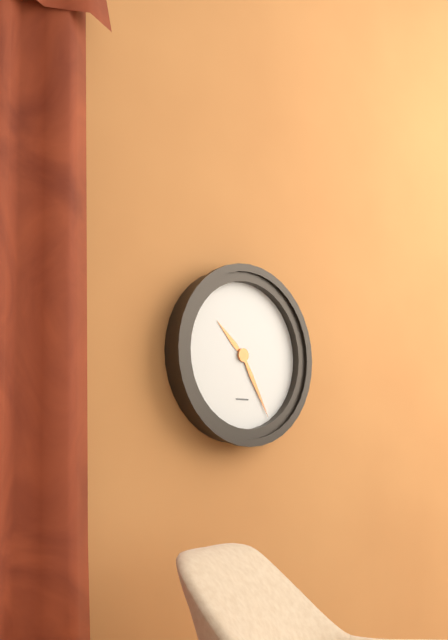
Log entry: {"hour": 10, "minute": 25}
